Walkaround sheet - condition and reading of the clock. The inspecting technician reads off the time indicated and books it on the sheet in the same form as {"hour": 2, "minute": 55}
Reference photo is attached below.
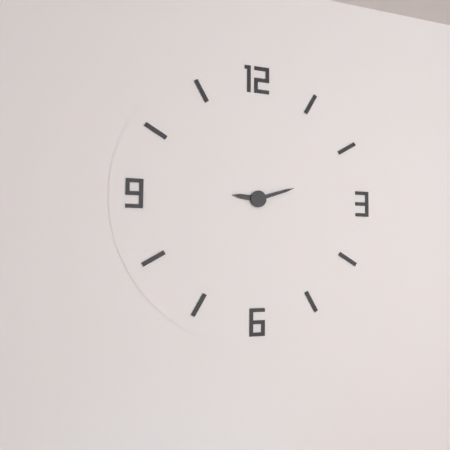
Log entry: {"hour": 9, "minute": 12}
